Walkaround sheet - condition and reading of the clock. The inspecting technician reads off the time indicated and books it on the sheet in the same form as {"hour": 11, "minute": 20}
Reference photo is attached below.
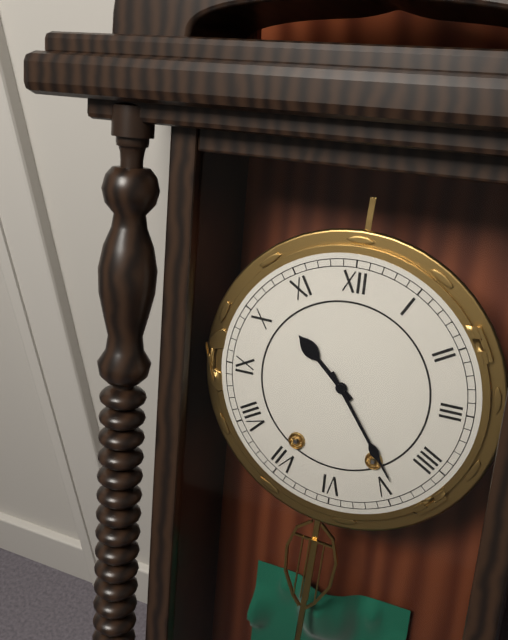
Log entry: {"hour": 10, "minute": 24}
